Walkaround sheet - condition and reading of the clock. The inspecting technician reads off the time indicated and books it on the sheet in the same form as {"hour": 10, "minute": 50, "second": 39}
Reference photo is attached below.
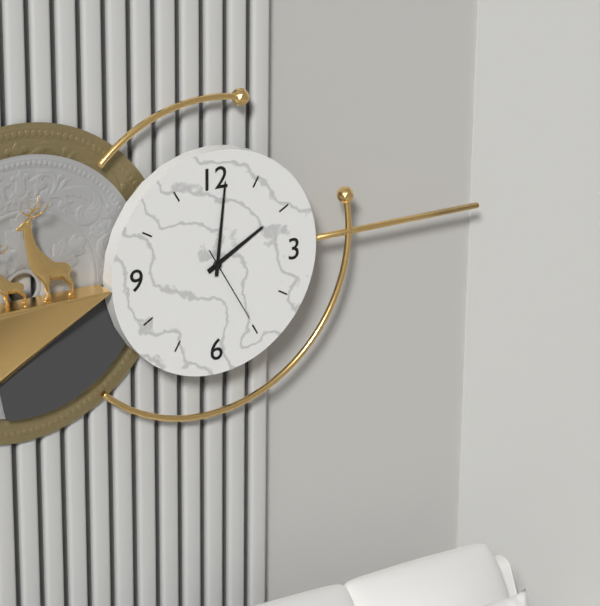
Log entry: {"hour": 2, "minute": 1, "second": 25}
